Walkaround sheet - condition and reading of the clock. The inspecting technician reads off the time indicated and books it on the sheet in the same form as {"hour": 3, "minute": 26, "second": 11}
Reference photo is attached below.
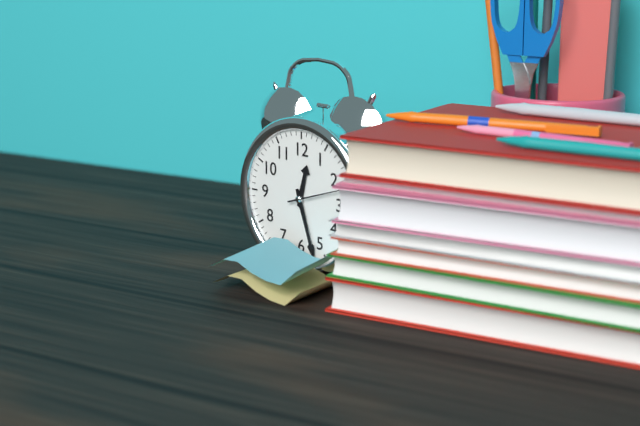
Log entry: {"hour": 12, "minute": 27, "second": 12}
